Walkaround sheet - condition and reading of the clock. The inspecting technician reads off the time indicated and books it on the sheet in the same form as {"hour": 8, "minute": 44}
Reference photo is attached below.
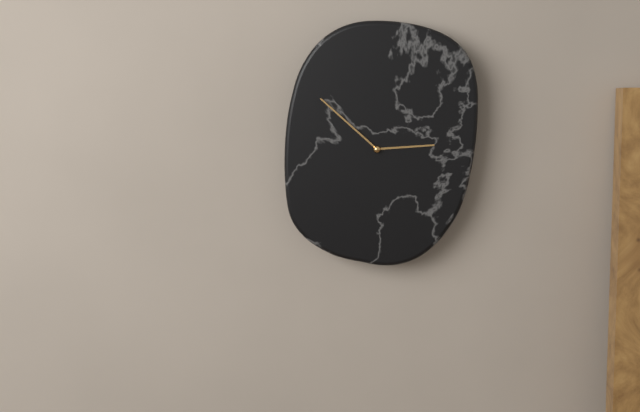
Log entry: {"hour": 2, "minute": 52}
